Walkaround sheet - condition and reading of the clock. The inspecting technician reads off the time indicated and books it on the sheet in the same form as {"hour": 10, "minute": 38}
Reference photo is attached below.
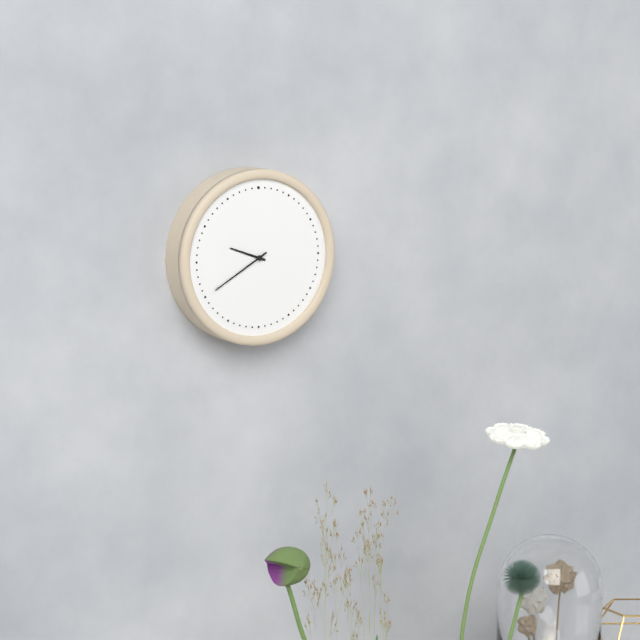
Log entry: {"hour": 9, "minute": 40}
